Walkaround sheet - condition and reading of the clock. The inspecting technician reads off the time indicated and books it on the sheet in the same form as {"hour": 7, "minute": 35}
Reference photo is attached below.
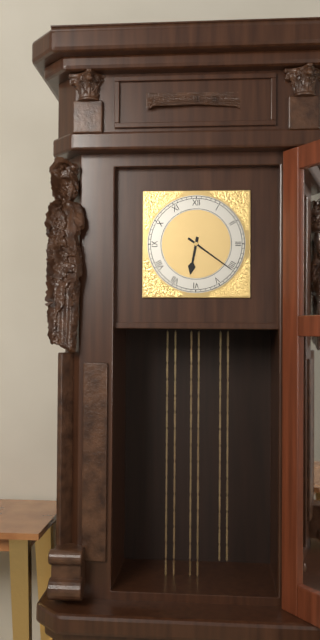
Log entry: {"hour": 6, "minute": 21}
